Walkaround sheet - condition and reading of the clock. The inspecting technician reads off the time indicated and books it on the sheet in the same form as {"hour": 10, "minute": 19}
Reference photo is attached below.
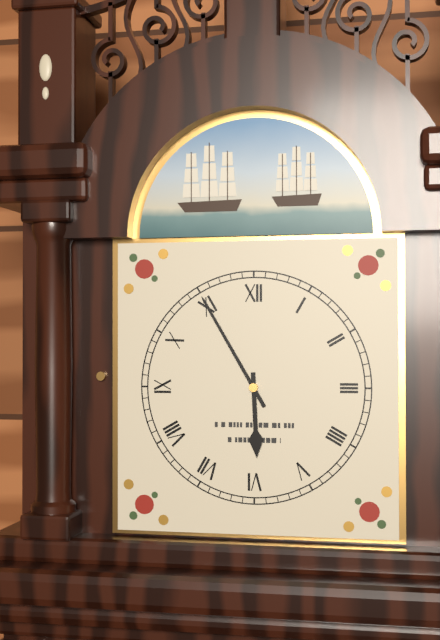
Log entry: {"hour": 5, "minute": 55}
